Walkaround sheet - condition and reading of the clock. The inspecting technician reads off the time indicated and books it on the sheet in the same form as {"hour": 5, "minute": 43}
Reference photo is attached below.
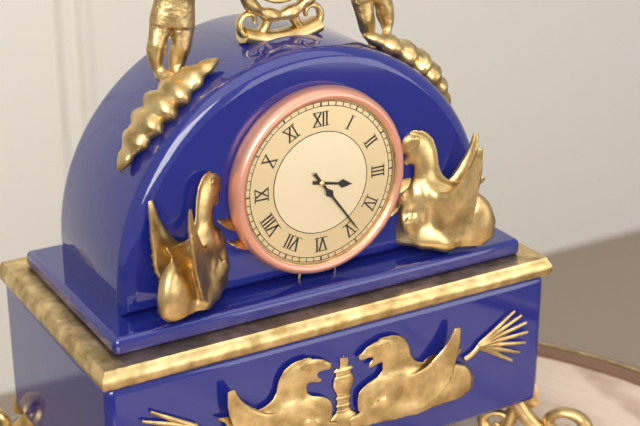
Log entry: {"hour": 3, "minute": 24}
